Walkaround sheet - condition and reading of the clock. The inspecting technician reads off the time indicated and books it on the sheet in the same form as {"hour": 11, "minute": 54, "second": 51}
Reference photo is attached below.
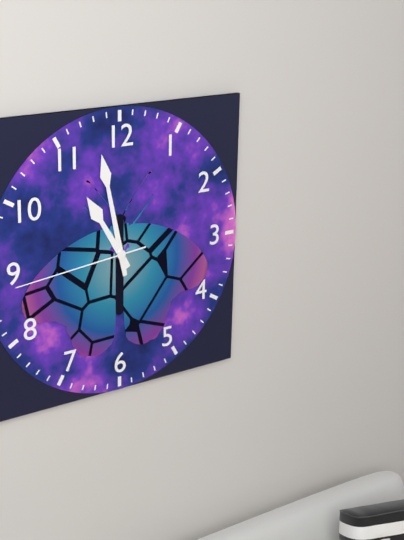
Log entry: {"hour": 10, "minute": 58, "second": 44}
